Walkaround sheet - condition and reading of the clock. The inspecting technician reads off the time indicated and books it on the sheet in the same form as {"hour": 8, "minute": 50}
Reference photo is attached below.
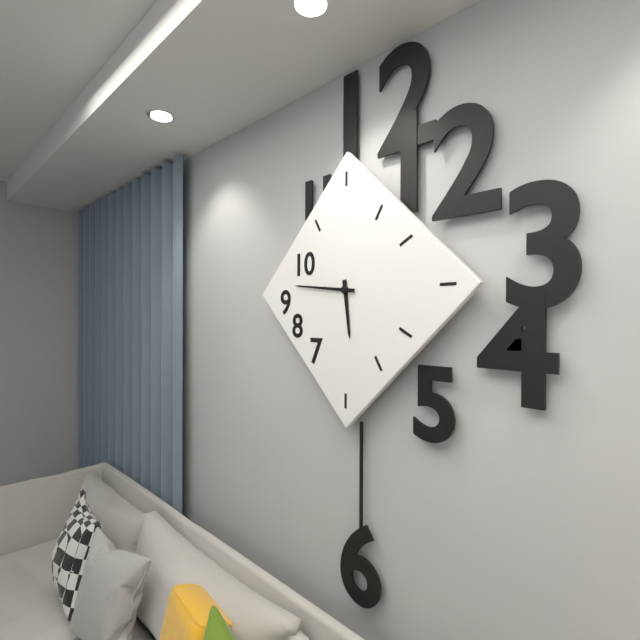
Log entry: {"hour": 5, "minute": 46}
